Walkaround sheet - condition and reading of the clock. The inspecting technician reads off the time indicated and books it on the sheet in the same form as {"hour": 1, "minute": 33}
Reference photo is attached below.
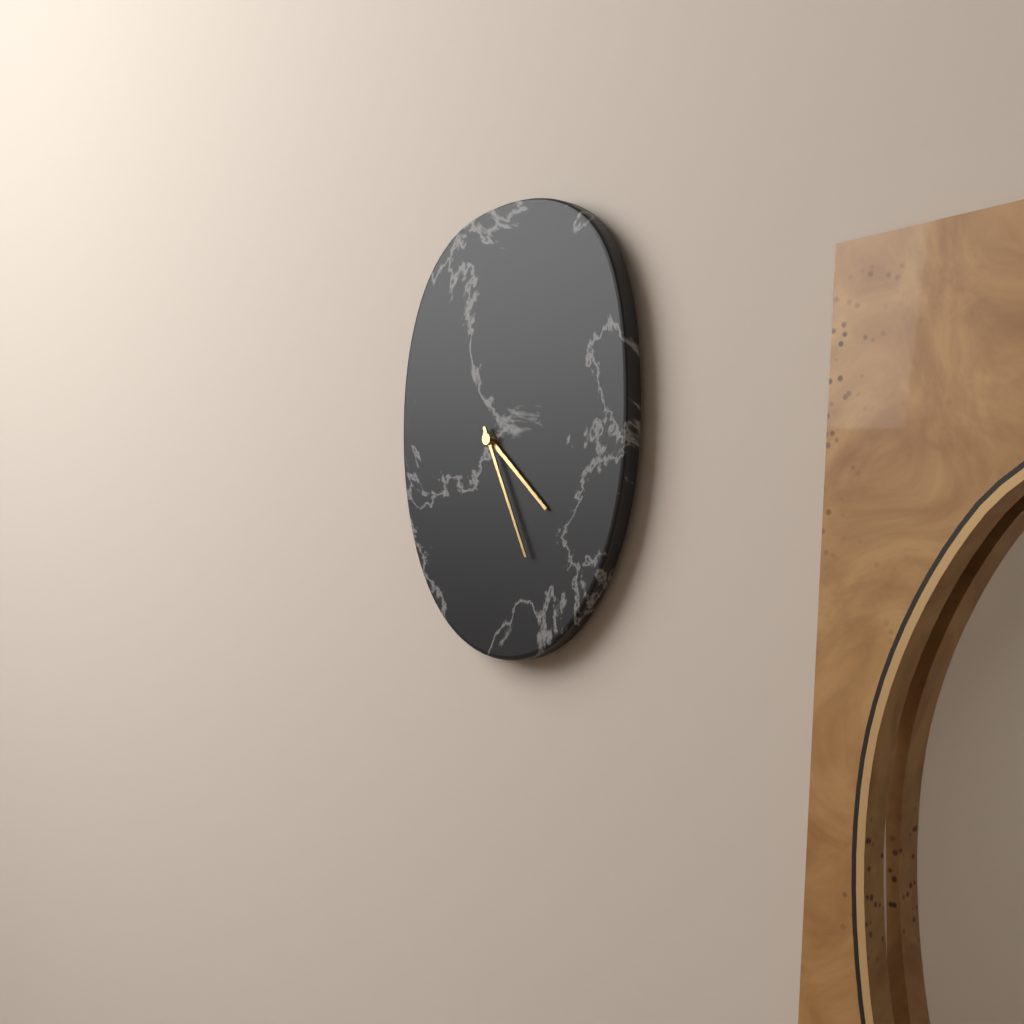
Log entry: {"hour": 4, "minute": 26}
